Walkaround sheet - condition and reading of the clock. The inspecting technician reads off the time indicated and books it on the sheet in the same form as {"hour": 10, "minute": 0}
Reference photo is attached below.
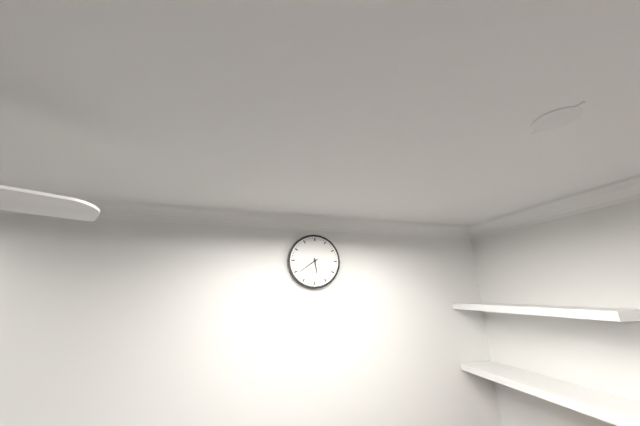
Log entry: {"hour": 5, "minute": 39}
